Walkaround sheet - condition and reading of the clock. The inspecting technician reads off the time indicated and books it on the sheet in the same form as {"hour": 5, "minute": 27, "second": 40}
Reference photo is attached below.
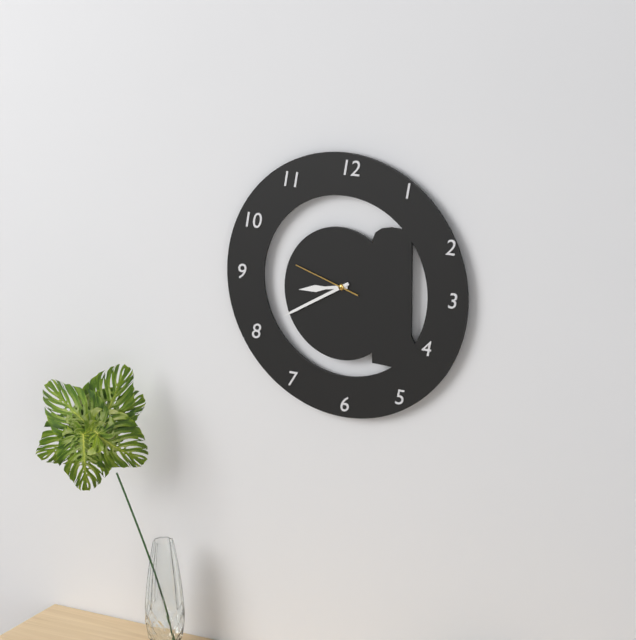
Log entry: {"hour": 8, "minute": 40, "second": 48}
